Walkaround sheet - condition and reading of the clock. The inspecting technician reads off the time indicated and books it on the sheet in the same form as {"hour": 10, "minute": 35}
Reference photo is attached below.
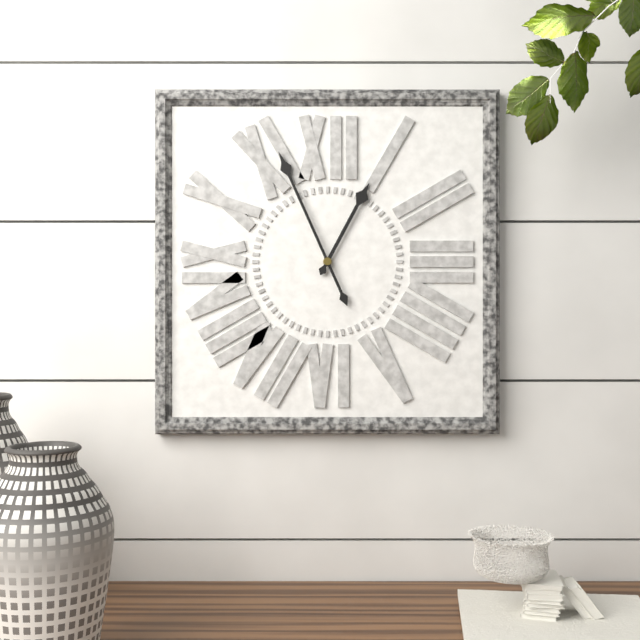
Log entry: {"hour": 12, "minute": 56}
